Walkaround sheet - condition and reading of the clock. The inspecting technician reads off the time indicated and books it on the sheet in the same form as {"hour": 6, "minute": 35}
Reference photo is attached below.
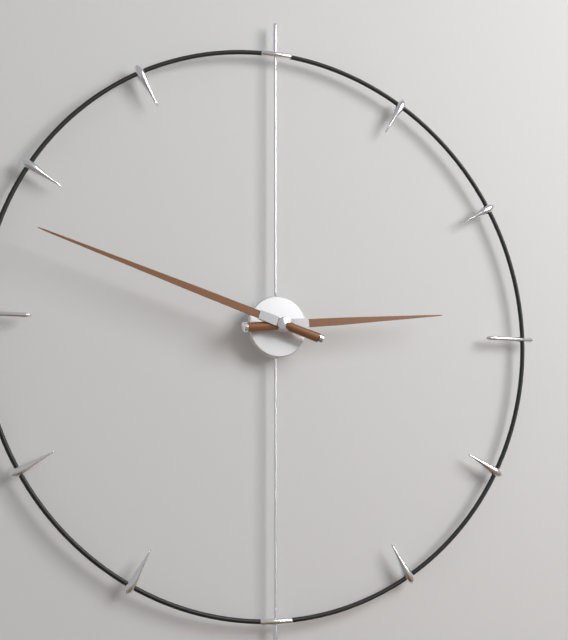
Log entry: {"hour": 2, "minute": 48}
